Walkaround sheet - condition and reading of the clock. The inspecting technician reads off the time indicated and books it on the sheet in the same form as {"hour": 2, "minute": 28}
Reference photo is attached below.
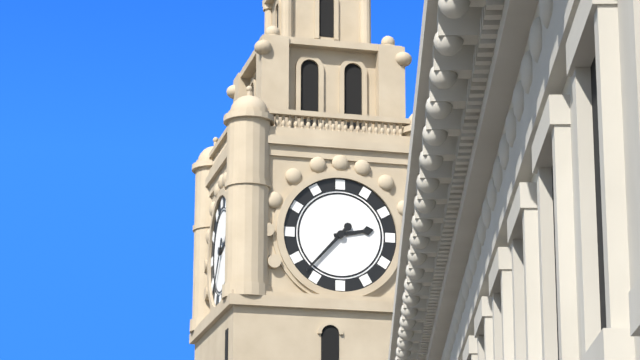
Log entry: {"hour": 2, "minute": 37}
